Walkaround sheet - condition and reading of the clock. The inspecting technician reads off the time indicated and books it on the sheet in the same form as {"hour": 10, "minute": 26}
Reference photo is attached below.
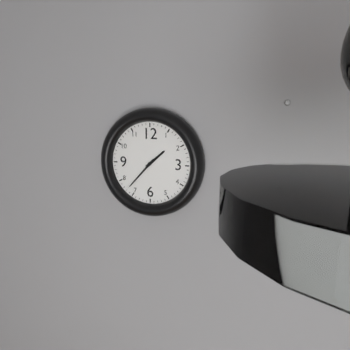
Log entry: {"hour": 1, "minute": 37}
